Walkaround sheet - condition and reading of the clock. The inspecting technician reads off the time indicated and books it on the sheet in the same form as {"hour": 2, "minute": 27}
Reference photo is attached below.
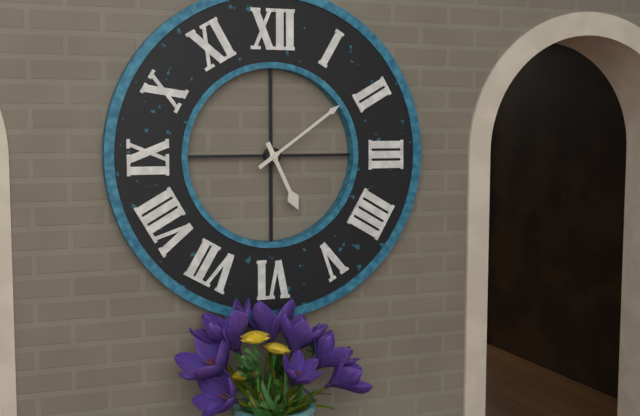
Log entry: {"hour": 5, "minute": 9}
